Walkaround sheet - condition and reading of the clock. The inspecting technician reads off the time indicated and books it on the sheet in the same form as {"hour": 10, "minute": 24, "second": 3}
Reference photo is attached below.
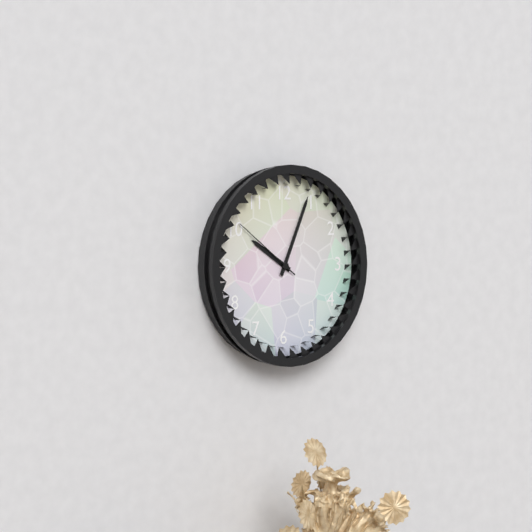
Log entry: {"hour": 10, "minute": 4, "second": 51}
